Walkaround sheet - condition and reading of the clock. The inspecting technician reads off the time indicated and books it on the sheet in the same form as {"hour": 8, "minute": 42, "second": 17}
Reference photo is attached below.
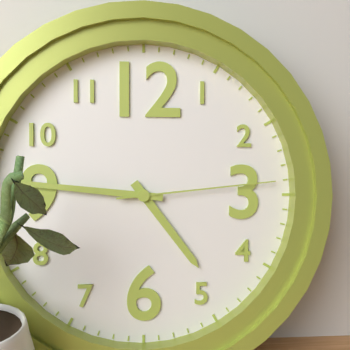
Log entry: {"hour": 4, "minute": 46, "second": 14}
